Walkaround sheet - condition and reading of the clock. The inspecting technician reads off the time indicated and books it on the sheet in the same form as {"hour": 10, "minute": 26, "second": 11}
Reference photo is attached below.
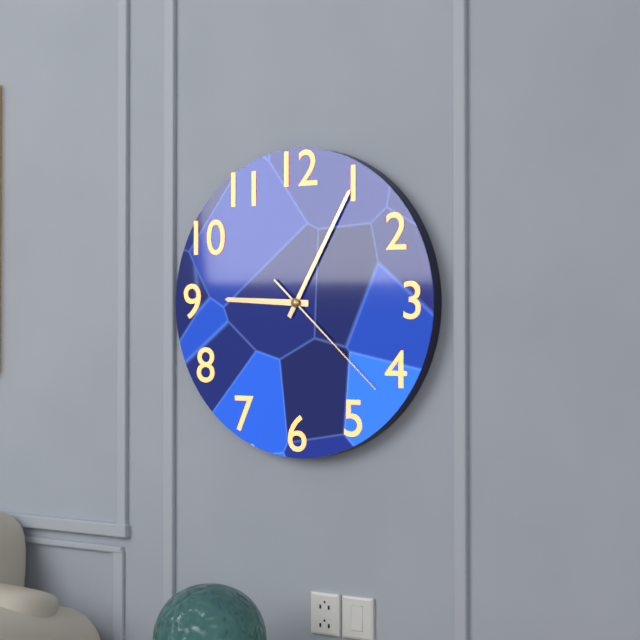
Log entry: {"hour": 9, "minute": 5, "second": 22}
